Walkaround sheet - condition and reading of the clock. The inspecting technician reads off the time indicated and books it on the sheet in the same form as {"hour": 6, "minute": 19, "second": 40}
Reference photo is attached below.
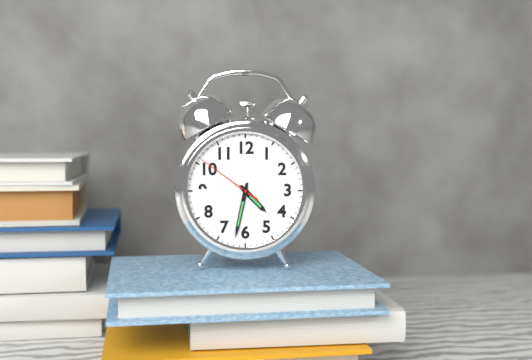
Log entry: {"hour": 4, "minute": 32, "second": 51}
